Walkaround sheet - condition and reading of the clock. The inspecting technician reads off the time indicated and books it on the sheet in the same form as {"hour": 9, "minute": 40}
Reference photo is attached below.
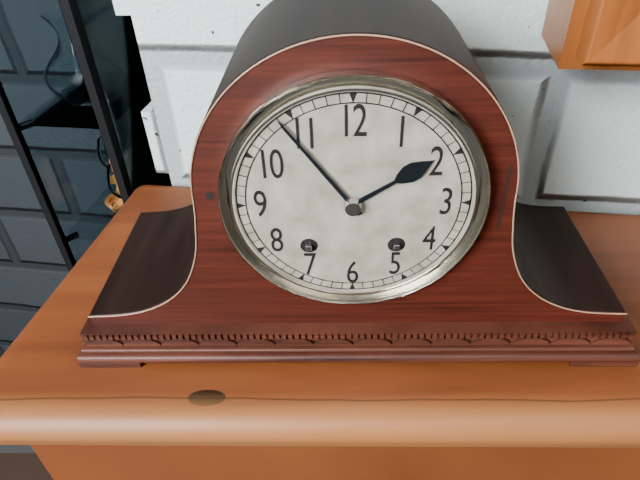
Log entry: {"hour": 1, "minute": 54}
